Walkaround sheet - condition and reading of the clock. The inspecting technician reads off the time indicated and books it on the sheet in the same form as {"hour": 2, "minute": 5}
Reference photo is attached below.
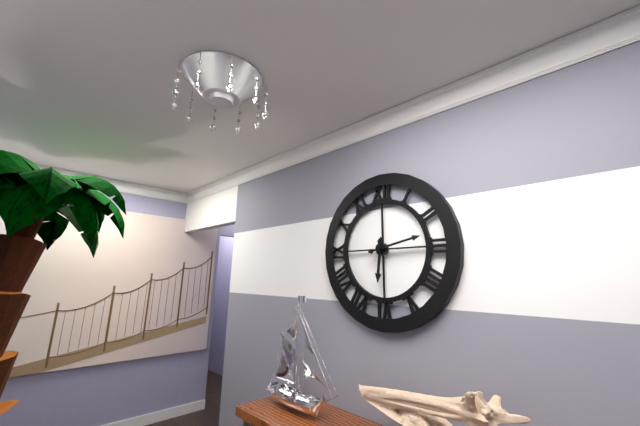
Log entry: {"hour": 6, "minute": 13}
